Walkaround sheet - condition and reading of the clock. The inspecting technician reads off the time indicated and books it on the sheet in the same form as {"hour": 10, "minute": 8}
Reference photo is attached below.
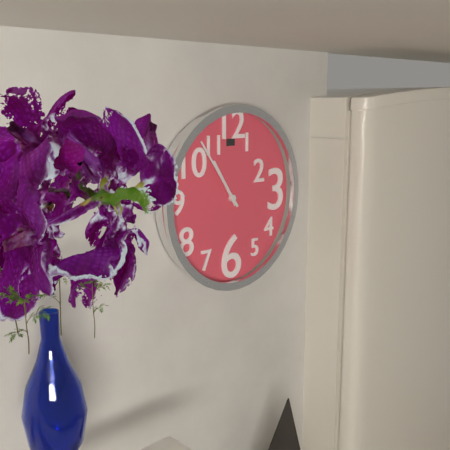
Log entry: {"hour": 10, "minute": 54}
